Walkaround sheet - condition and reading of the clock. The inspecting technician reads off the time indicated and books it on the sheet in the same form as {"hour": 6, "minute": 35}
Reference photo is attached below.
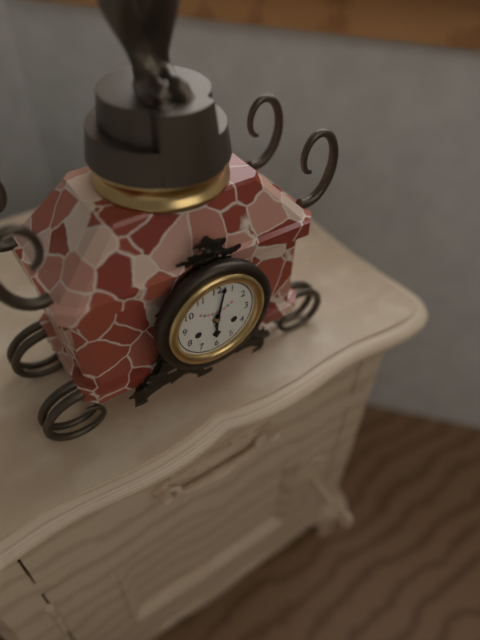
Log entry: {"hour": 6, "minute": 2}
